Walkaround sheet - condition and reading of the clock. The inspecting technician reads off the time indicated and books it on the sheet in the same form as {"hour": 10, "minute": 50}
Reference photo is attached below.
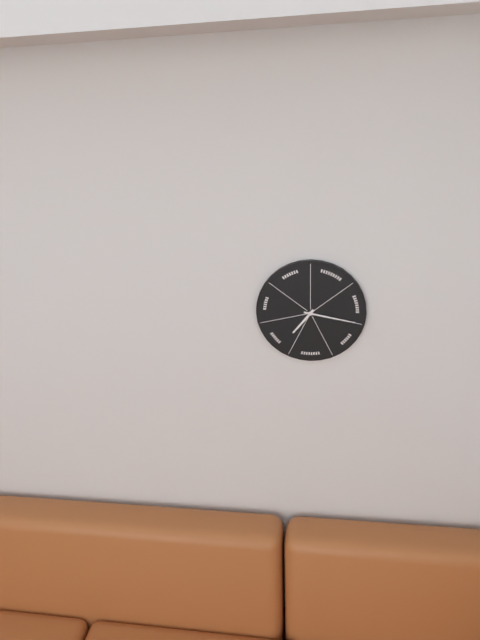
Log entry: {"hour": 7, "minute": 17}
